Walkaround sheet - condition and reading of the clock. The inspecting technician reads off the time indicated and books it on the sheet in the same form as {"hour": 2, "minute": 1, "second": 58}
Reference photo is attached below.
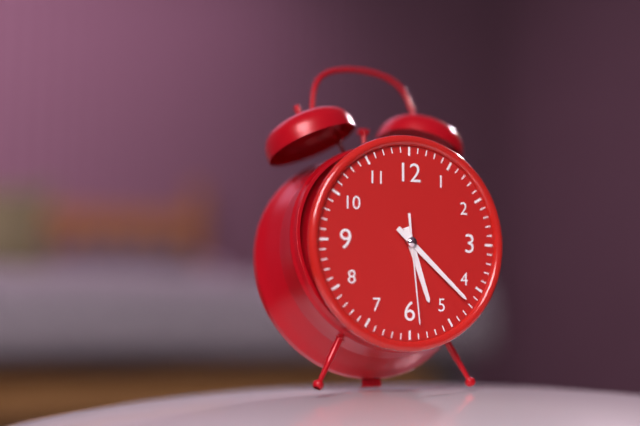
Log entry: {"hour": 5, "minute": 22, "second": 29}
